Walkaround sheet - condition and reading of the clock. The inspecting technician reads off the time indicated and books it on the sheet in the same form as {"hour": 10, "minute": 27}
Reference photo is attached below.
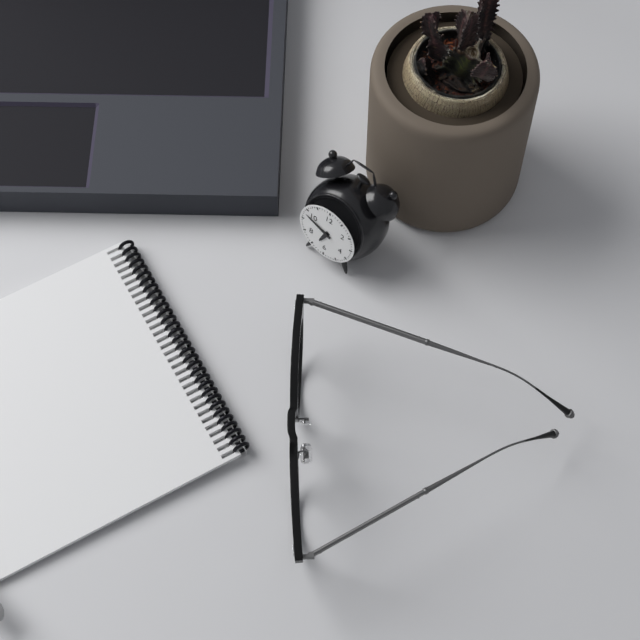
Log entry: {"hour": 6, "minute": 48}
